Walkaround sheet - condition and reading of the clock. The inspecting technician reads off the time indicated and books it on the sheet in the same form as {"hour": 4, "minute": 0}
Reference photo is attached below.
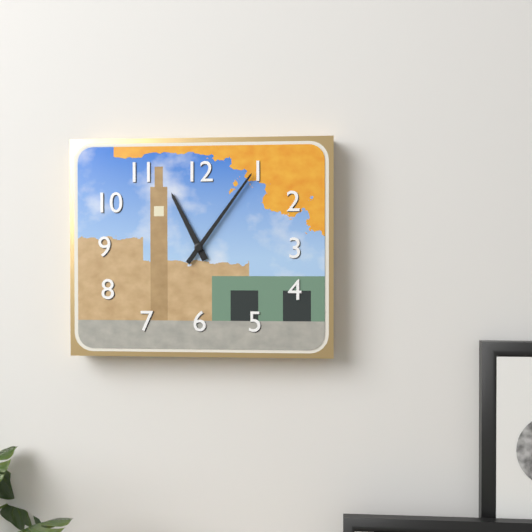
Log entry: {"hour": 11, "minute": 6}
